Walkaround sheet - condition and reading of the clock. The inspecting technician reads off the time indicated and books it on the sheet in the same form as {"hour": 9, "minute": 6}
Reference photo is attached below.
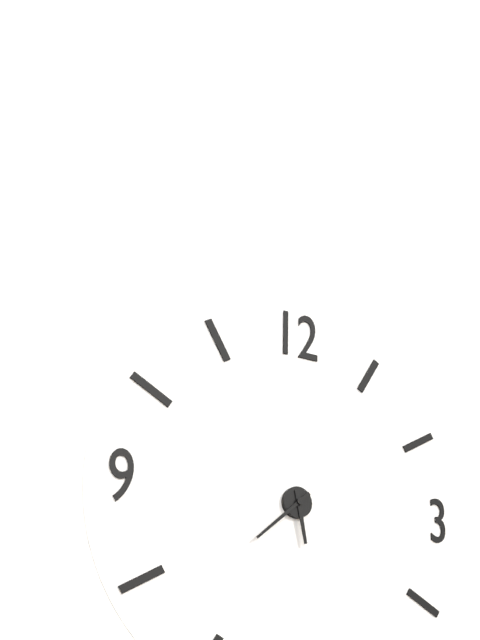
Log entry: {"hour": 5, "minute": 38}
